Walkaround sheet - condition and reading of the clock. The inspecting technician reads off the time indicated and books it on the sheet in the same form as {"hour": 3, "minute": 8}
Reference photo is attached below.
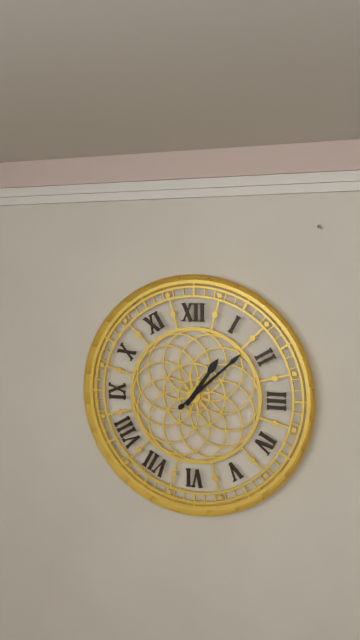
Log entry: {"hour": 1, "minute": 8}
